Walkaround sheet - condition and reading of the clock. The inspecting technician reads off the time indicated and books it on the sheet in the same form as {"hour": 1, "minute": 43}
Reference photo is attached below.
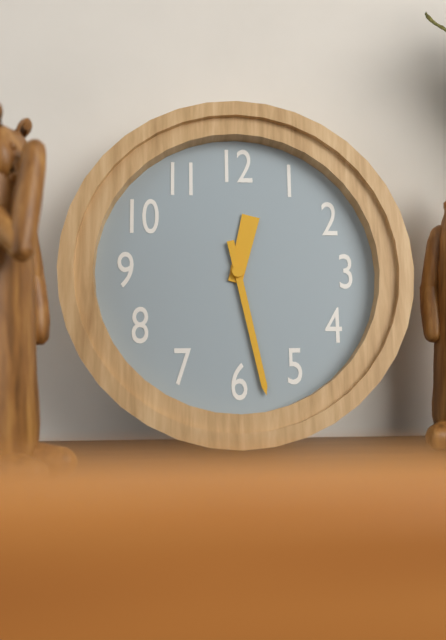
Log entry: {"hour": 12, "minute": 28}
